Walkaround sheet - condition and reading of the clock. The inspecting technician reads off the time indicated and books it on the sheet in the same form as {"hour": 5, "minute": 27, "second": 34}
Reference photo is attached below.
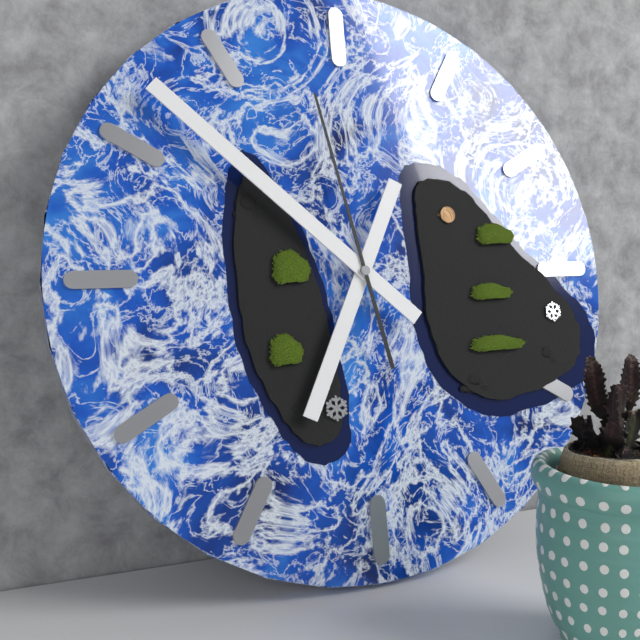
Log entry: {"hour": 6, "minute": 52, "second": 58}
